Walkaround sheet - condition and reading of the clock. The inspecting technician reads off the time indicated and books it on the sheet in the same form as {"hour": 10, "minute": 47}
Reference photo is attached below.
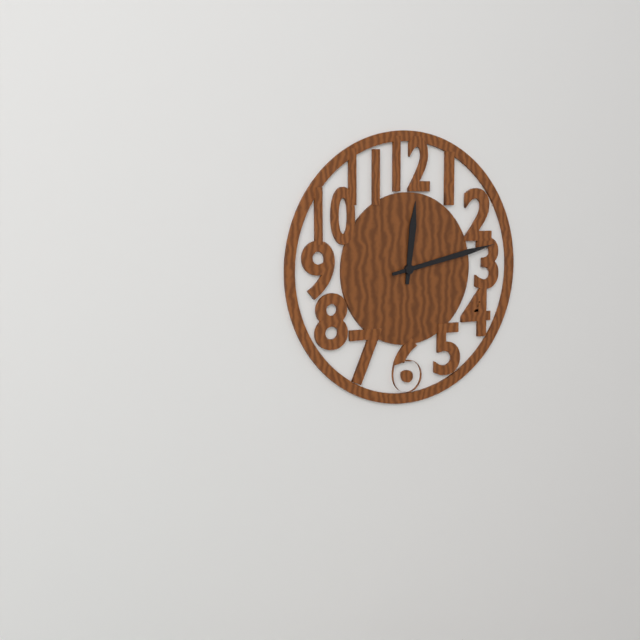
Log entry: {"hour": 12, "minute": 13}
